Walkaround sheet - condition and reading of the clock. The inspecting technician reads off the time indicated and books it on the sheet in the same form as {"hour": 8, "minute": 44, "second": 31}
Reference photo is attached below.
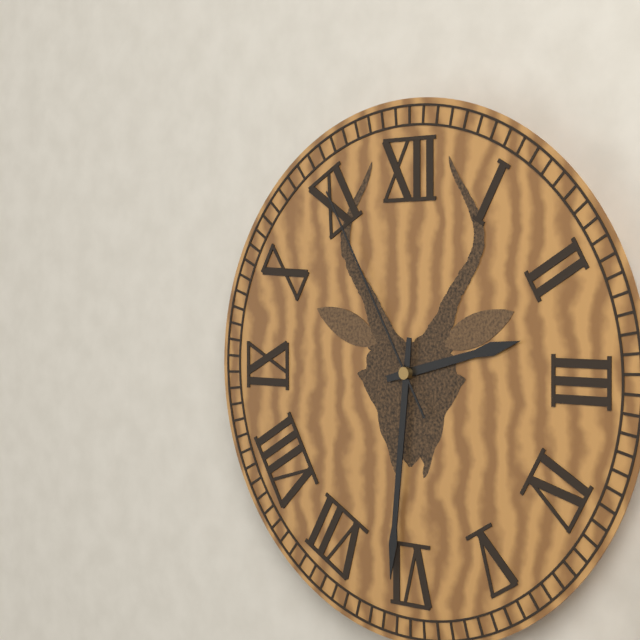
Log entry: {"hour": 2, "minute": 31, "second": 55}
